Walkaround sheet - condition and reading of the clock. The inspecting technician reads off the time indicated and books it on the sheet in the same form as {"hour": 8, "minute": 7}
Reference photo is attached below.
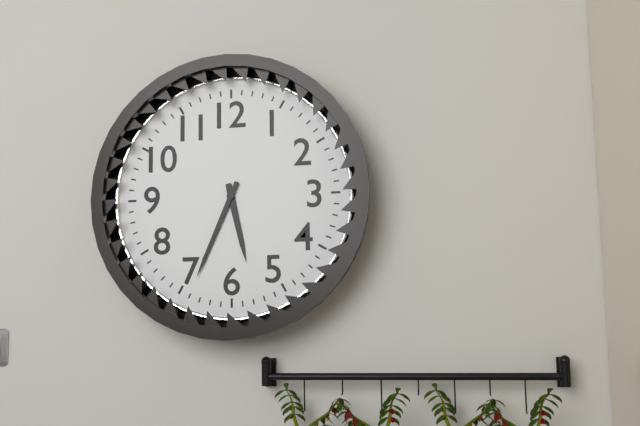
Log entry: {"hour": 5, "minute": 34}
